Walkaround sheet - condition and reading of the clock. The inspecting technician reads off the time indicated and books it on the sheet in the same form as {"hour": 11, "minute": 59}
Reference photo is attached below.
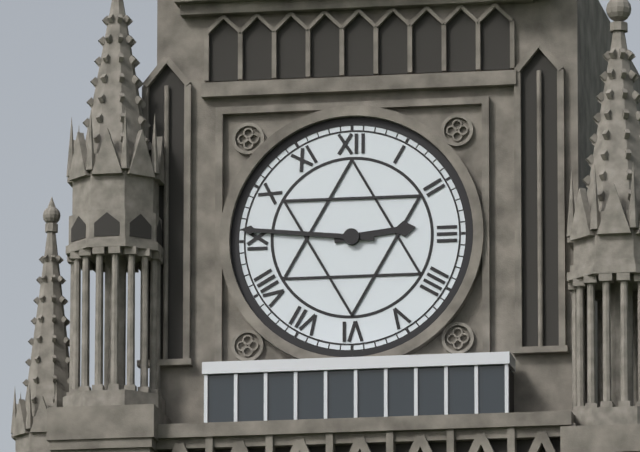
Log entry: {"hour": 2, "minute": 46}
